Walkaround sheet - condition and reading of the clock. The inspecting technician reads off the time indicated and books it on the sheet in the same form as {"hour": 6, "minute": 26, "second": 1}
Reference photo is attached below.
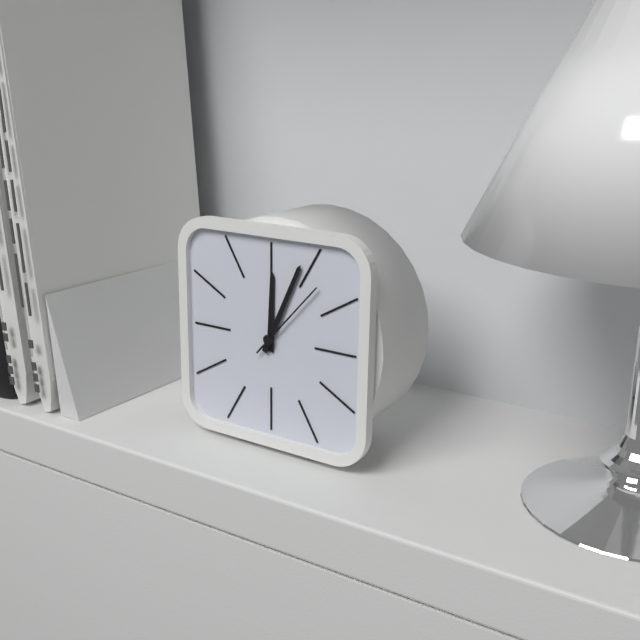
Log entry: {"hour": 12, "minute": 4, "second": 7}
